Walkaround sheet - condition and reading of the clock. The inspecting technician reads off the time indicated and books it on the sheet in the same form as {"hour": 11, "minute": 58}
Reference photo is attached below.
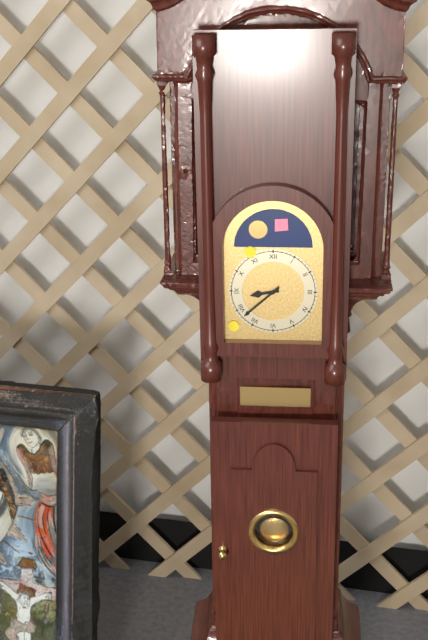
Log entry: {"hour": 8, "minute": 38}
